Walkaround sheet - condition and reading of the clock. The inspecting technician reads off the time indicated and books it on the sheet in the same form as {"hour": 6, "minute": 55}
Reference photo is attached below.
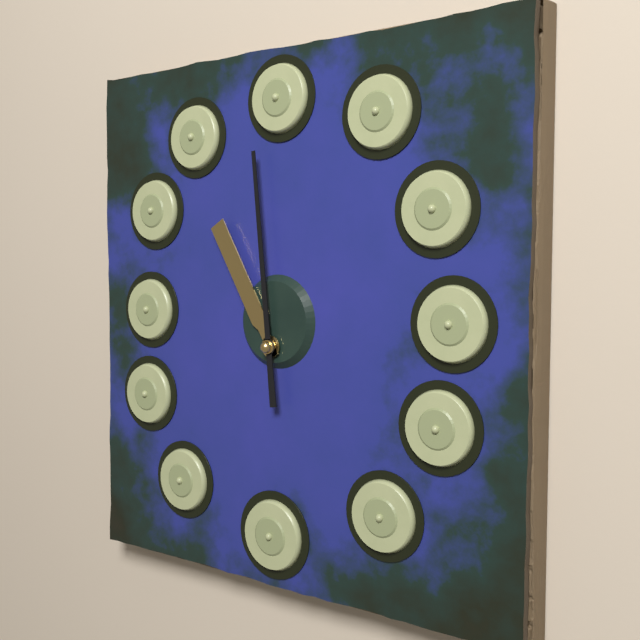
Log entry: {"hour": 10, "minute": 59}
